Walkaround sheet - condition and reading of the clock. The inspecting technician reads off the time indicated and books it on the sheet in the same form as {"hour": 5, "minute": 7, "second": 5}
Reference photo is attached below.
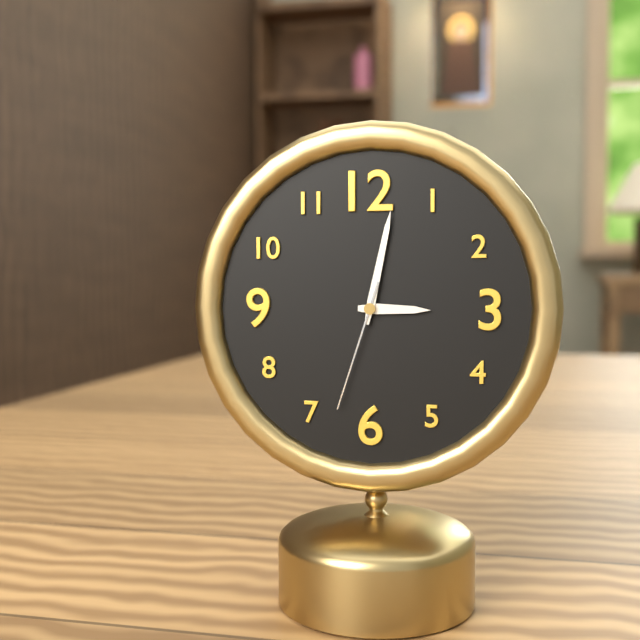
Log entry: {"hour": 3, "minute": 2, "second": 33}
